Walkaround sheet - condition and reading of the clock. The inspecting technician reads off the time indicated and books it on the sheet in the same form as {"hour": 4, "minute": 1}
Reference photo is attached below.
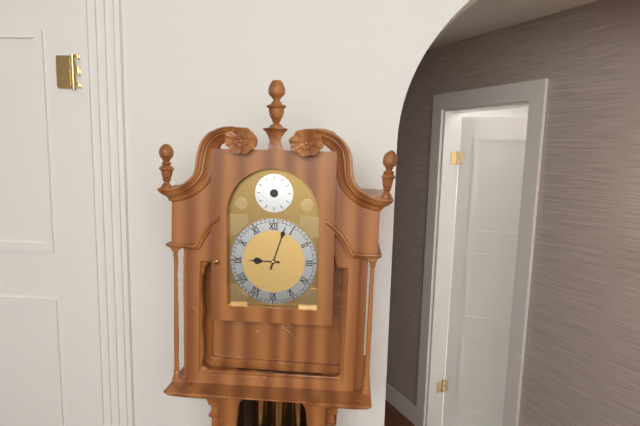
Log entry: {"hour": 9, "minute": 3}
